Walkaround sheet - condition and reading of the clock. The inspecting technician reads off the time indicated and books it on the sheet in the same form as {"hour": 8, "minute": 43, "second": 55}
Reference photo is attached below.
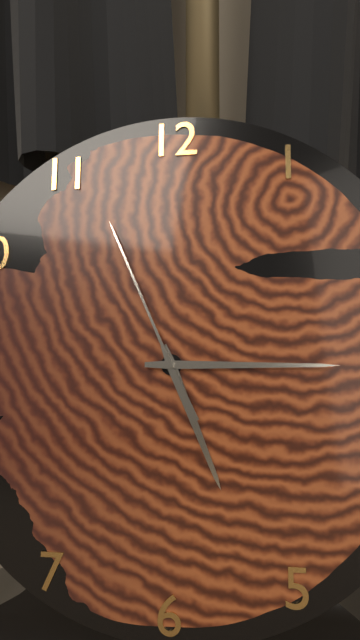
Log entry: {"hour": 5, "minute": 15, "second": 56}
